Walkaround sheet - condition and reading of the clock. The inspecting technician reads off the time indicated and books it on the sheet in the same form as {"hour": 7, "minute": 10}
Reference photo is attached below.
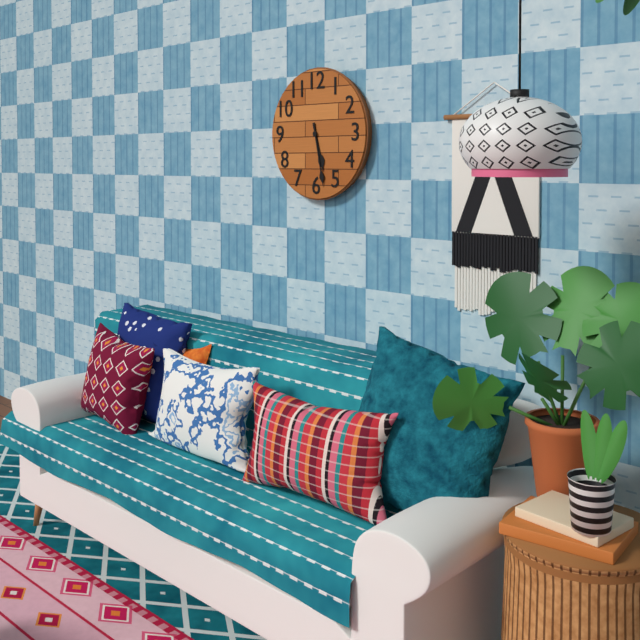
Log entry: {"hour": 5, "minute": 28}
